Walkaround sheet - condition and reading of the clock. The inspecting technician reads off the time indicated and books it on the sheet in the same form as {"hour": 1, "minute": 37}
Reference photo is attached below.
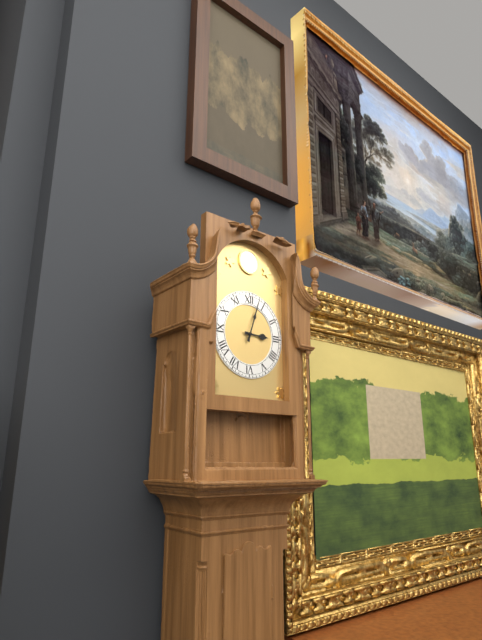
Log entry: {"hour": 3, "minute": 3}
